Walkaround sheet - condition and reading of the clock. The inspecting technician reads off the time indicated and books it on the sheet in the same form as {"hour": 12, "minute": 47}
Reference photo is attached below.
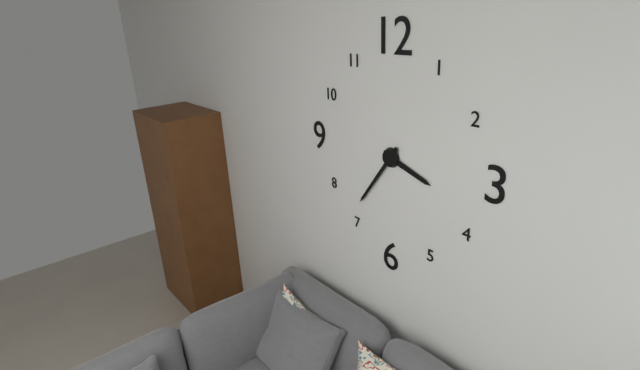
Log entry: {"hour": 3, "minute": 36}
